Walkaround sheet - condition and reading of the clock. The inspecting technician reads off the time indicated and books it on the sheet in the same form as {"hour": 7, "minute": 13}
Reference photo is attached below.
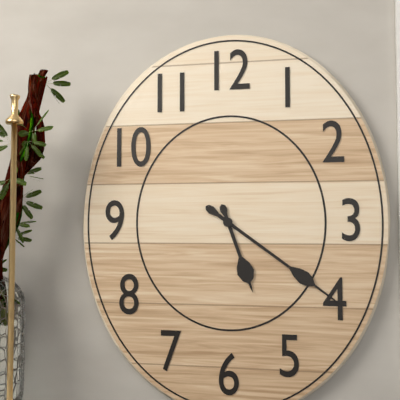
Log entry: {"hour": 5, "minute": 21}
